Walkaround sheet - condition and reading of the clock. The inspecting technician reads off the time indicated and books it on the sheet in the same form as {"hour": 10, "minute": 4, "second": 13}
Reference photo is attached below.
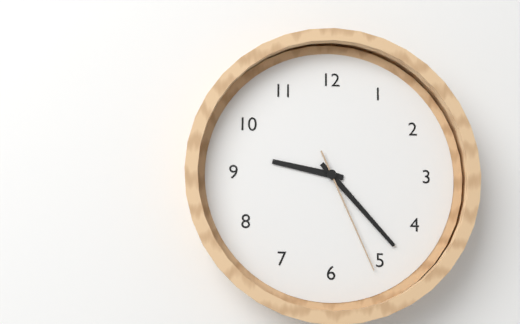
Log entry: {"hour": 9, "minute": 23, "second": 26}
